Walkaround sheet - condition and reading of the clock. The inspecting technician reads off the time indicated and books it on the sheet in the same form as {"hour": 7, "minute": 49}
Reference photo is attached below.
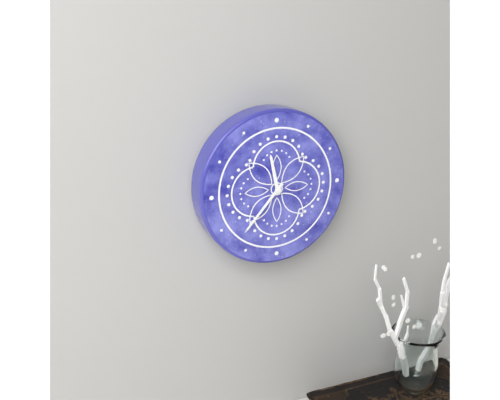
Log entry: {"hour": 11, "minute": 37}
